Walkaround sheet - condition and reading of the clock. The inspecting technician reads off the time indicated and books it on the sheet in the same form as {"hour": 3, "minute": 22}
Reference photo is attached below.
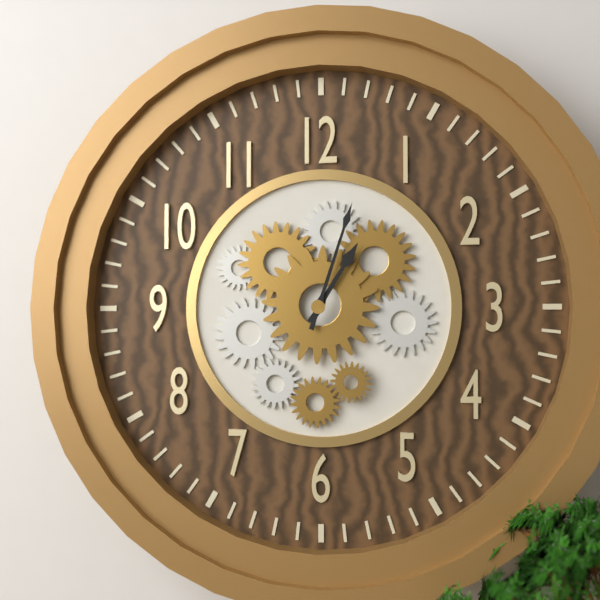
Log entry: {"hour": 1, "minute": 3}
